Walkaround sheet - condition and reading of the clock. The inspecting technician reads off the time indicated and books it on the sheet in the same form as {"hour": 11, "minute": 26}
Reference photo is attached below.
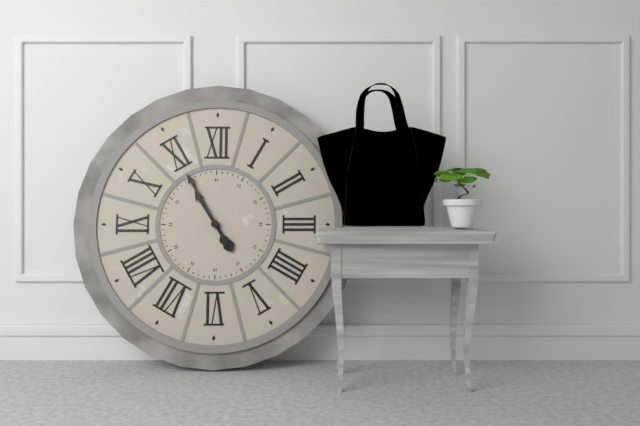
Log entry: {"hour": 10, "minute": 55}
